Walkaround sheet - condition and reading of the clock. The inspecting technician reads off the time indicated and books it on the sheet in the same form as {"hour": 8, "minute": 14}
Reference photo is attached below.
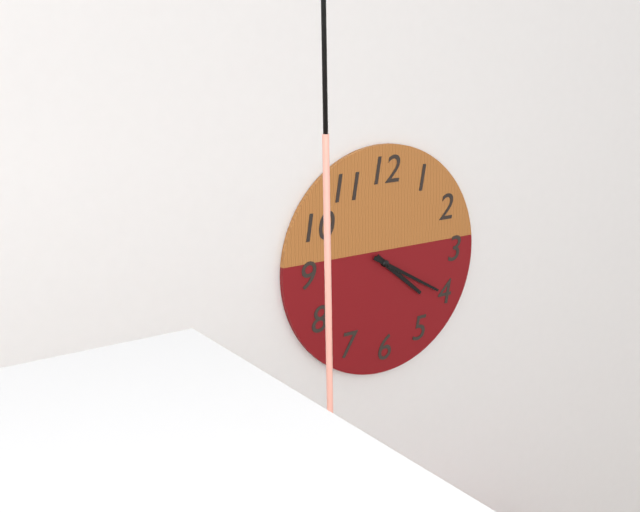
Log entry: {"hour": 4, "minute": 20}
